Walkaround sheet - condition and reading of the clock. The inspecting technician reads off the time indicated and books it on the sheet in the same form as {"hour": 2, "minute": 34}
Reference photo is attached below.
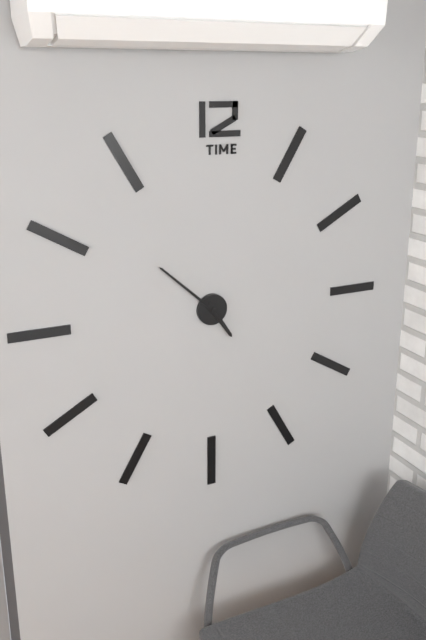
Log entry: {"hour": 4, "minute": 52}
